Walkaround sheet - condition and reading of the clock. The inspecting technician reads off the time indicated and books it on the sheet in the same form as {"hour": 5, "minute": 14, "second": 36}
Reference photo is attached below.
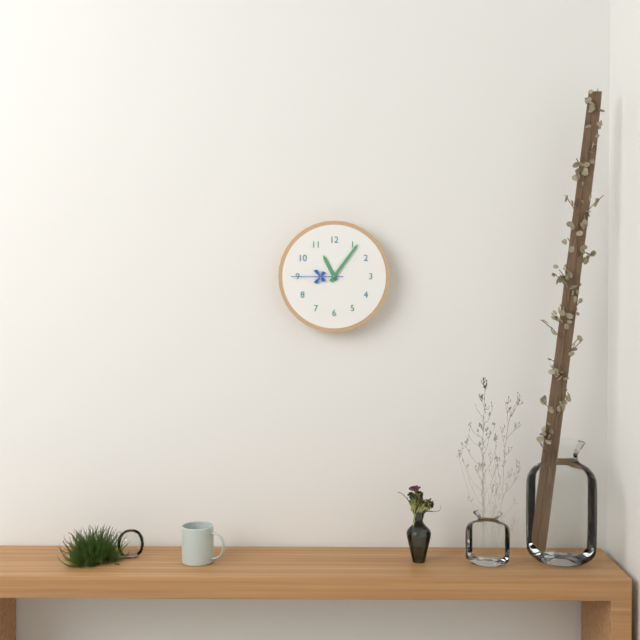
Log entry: {"hour": 11, "minute": 6, "second": 45}
